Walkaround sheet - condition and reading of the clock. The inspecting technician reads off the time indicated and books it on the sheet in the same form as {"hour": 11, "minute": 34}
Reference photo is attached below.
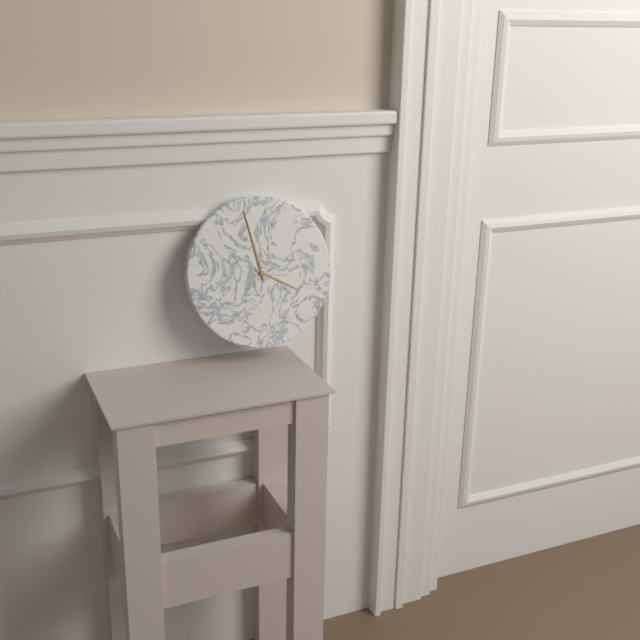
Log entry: {"hour": 3, "minute": 58}
